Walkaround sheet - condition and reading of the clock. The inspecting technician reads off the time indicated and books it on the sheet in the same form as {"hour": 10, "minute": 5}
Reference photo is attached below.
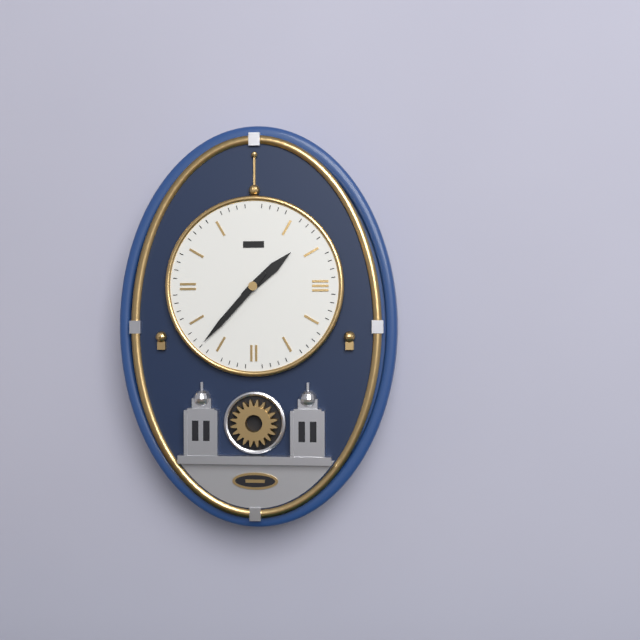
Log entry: {"hour": 1, "minute": 37}
